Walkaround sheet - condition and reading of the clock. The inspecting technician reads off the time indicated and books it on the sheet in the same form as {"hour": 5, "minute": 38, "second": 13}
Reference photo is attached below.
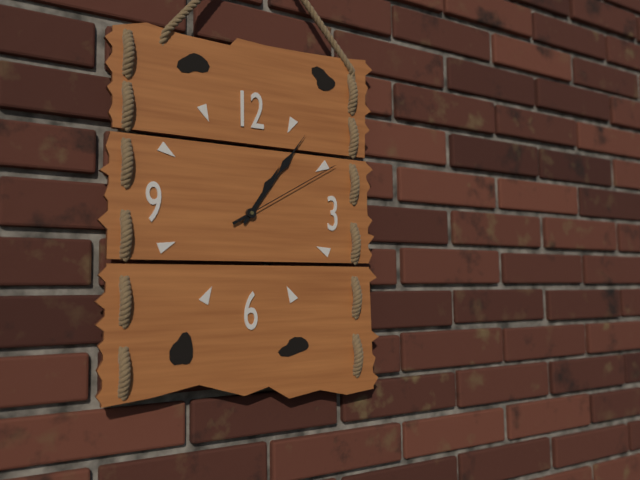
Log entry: {"hour": 1, "minute": 6, "second": 10}
